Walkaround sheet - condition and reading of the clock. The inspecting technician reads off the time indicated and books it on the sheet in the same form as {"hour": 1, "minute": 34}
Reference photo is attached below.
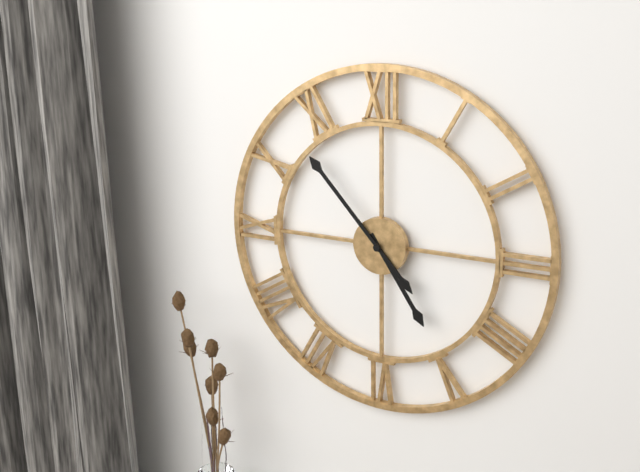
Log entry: {"hour": 4, "minute": 53}
